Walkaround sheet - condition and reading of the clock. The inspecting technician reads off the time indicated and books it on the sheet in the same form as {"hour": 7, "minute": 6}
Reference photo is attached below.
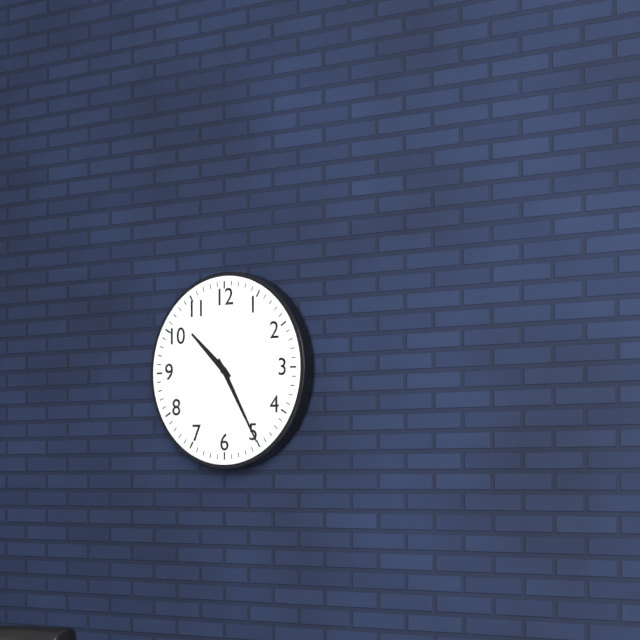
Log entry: {"hour": 10, "minute": 25}
